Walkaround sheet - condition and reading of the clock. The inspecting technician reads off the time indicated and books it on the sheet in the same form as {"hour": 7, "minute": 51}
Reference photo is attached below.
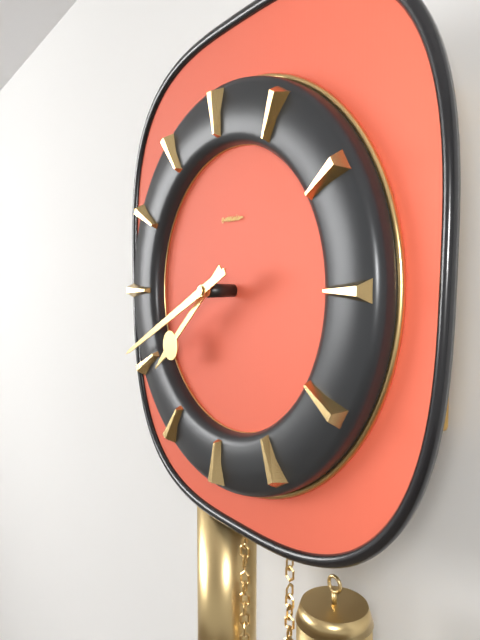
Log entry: {"hour": 7, "minute": 41}
